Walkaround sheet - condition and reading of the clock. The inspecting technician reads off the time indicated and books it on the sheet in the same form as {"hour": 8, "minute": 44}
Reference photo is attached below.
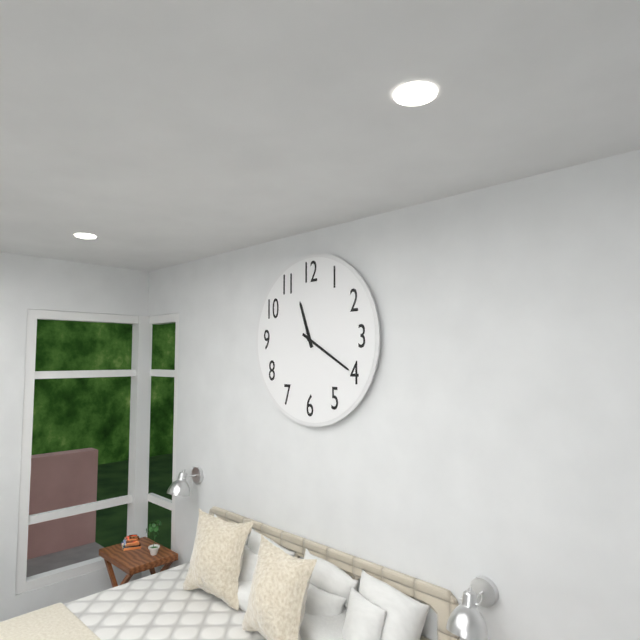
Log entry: {"hour": 11, "minute": 20}
